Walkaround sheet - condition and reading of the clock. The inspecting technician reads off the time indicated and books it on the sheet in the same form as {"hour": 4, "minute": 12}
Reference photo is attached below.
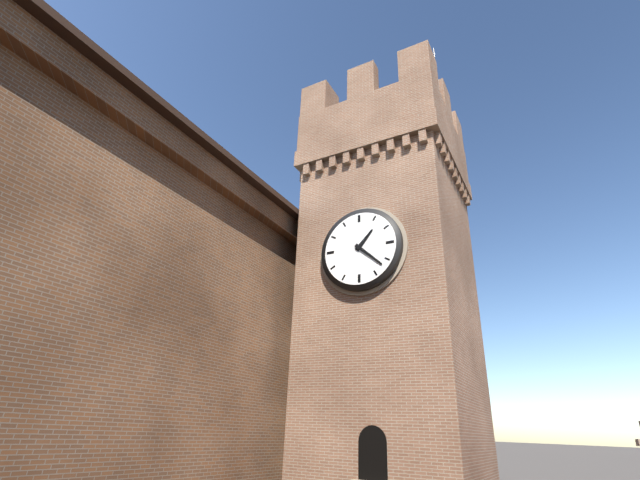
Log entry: {"hour": 1, "minute": 22}
